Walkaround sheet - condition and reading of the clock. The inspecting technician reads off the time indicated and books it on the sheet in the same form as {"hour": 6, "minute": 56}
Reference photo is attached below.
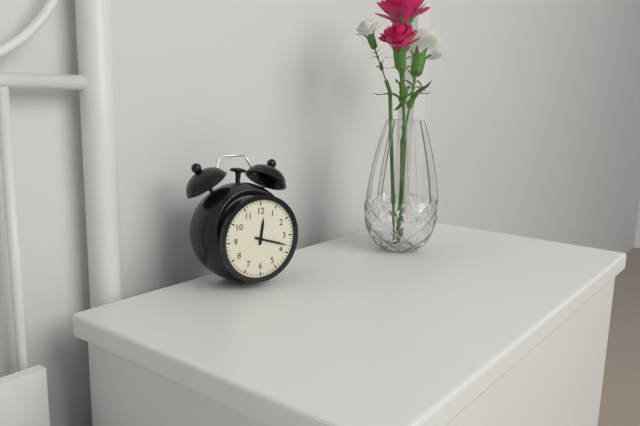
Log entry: {"hour": 12, "minute": 18}
